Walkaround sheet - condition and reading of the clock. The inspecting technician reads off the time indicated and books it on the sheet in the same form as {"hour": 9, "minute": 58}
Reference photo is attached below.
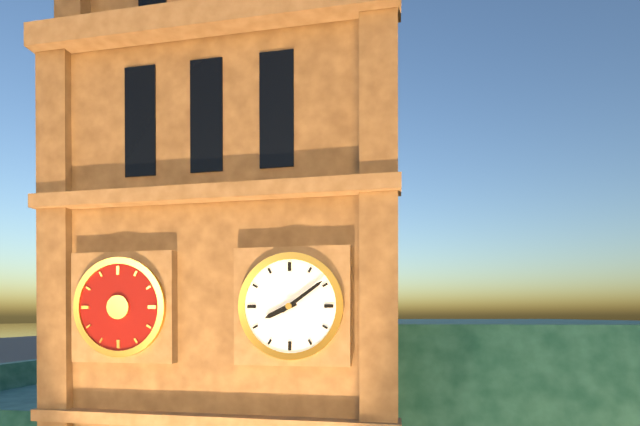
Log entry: {"hour": 8, "minute": 9}
